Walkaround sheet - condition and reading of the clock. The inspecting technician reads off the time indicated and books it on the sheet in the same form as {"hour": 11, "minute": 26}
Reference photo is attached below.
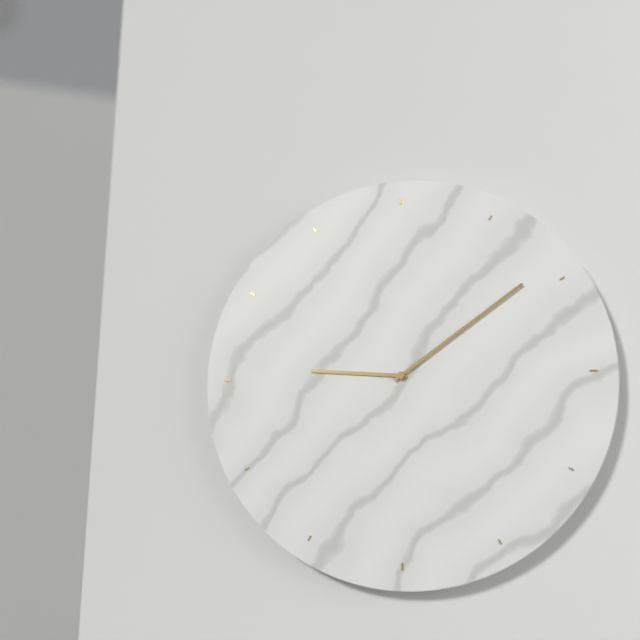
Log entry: {"hour": 9, "minute": 9}
